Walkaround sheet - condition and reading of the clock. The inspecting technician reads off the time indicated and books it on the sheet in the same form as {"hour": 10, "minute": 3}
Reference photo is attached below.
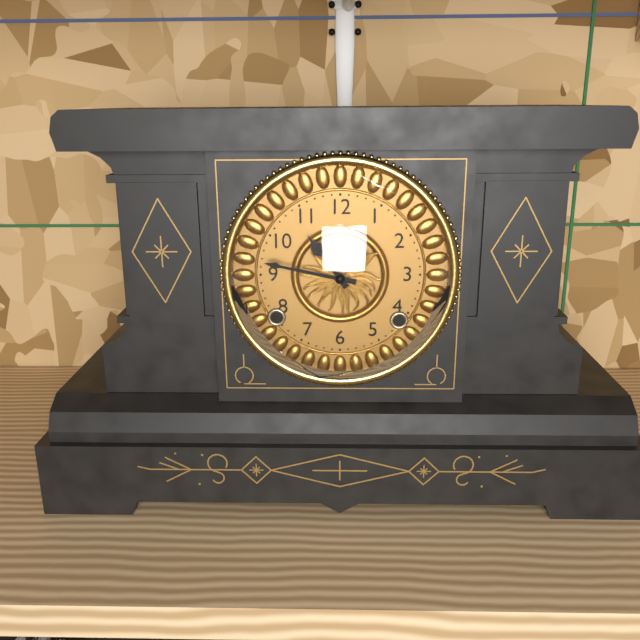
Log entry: {"hour": 10, "minute": 47}
